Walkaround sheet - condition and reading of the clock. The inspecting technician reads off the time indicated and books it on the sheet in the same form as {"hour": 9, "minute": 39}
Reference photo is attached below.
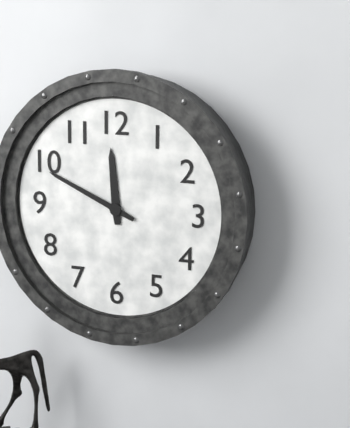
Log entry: {"hour": 11, "minute": 49}
